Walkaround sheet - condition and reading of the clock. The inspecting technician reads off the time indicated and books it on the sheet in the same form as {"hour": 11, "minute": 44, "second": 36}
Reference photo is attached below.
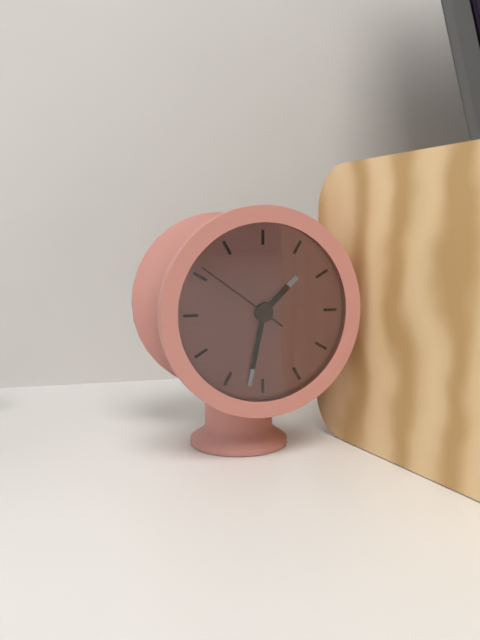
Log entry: {"hour": 1, "minute": 32, "second": 51}
